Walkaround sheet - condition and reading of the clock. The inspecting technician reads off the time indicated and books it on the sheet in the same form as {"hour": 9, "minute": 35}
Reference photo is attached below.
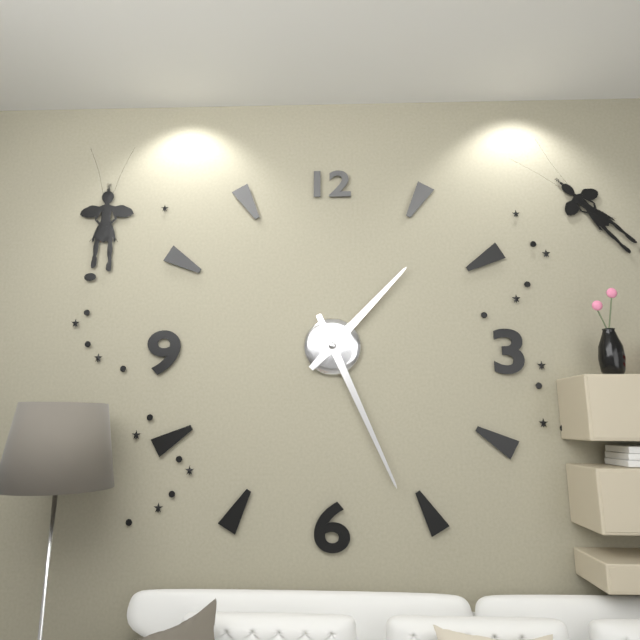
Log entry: {"hour": 1, "minute": 26}
